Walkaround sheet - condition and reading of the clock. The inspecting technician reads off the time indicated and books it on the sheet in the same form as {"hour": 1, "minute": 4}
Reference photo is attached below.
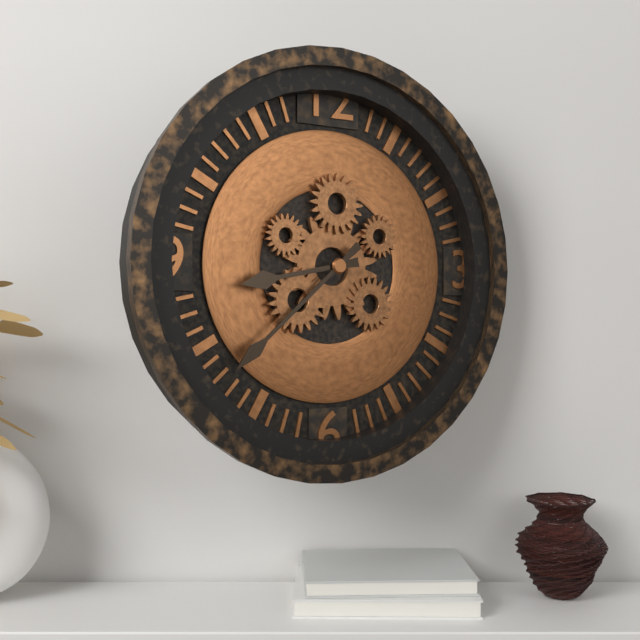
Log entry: {"hour": 8, "minute": 38}
